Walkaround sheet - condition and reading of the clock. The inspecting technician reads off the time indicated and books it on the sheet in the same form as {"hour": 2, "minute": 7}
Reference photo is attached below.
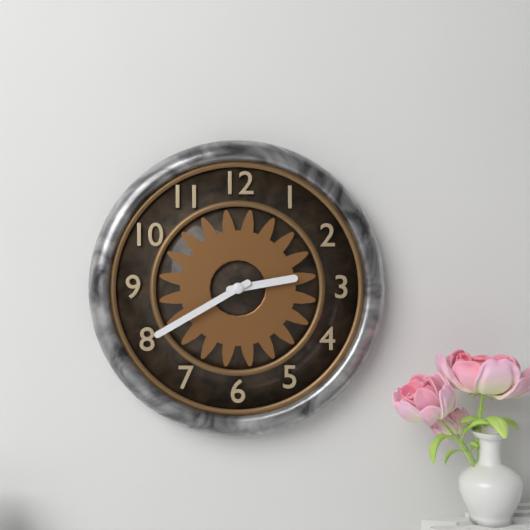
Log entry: {"hour": 2, "minute": 40}
